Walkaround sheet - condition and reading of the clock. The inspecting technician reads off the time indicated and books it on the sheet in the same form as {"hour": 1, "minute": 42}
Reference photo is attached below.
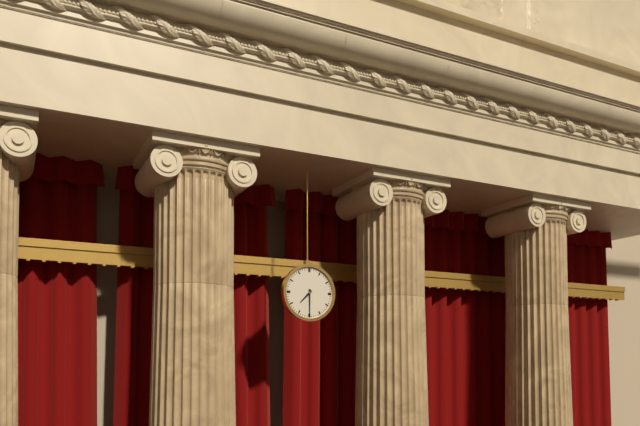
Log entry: {"hour": 7, "minute": 30}
